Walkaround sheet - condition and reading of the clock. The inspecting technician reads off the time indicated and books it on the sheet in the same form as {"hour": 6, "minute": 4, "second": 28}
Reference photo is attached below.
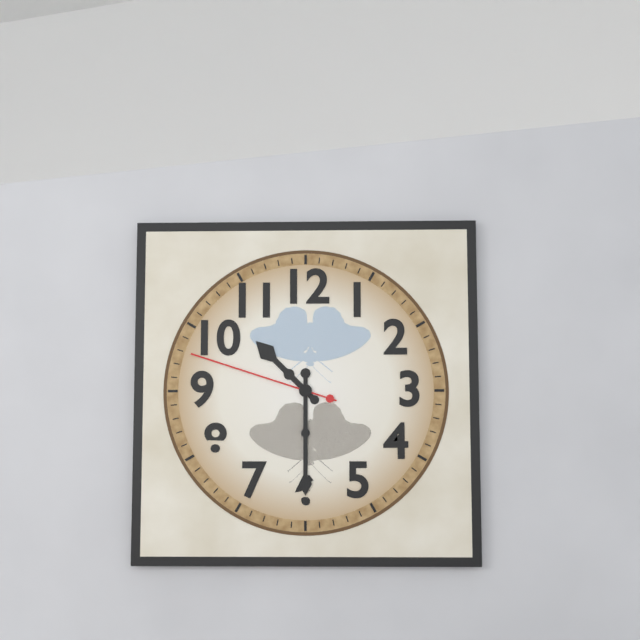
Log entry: {"hour": 10, "minute": 30, "second": 48}
